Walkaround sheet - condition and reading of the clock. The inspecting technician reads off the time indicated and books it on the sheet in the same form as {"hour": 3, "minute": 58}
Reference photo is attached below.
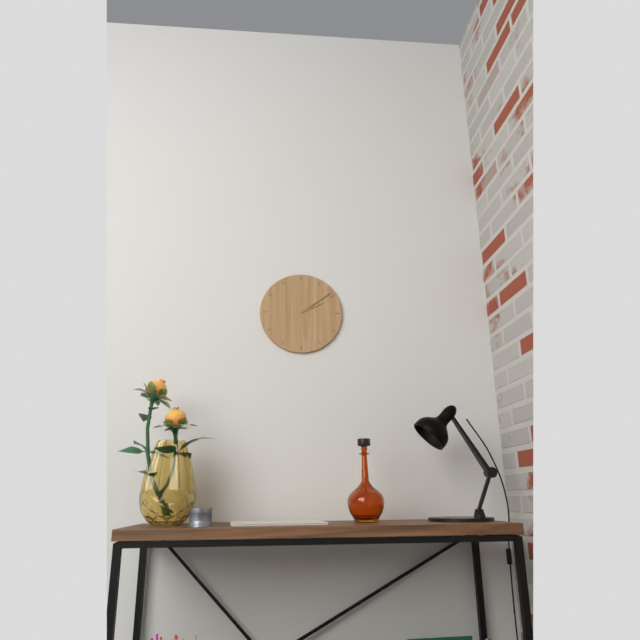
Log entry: {"hour": 2, "minute": 9}
